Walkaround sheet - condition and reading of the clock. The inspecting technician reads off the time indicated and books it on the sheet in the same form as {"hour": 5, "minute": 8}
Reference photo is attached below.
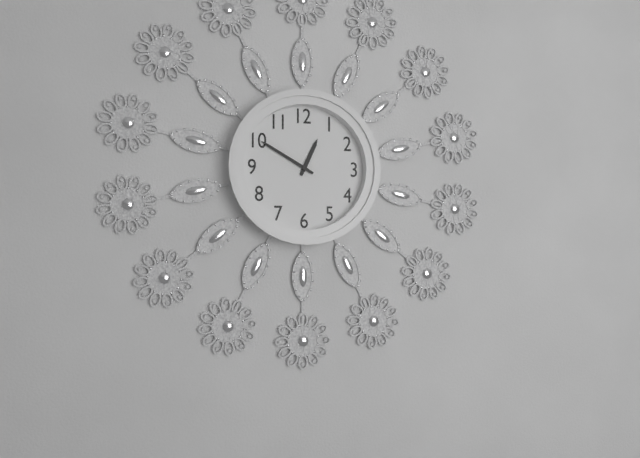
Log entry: {"hour": 12, "minute": 50}
